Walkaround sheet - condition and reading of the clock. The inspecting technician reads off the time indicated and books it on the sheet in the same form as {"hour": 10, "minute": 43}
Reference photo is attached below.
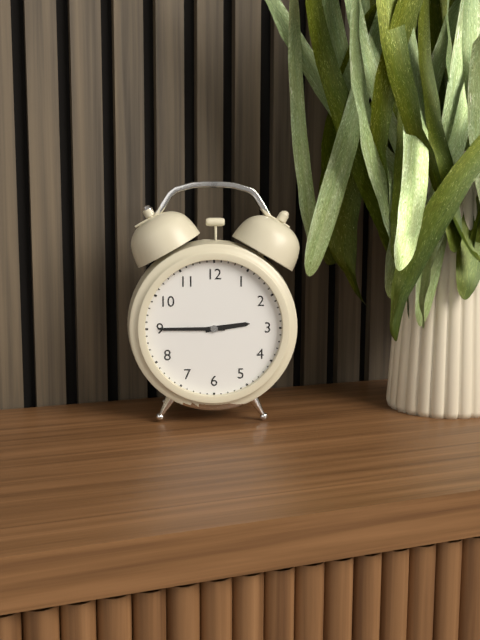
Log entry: {"hour": 2, "minute": 45}
